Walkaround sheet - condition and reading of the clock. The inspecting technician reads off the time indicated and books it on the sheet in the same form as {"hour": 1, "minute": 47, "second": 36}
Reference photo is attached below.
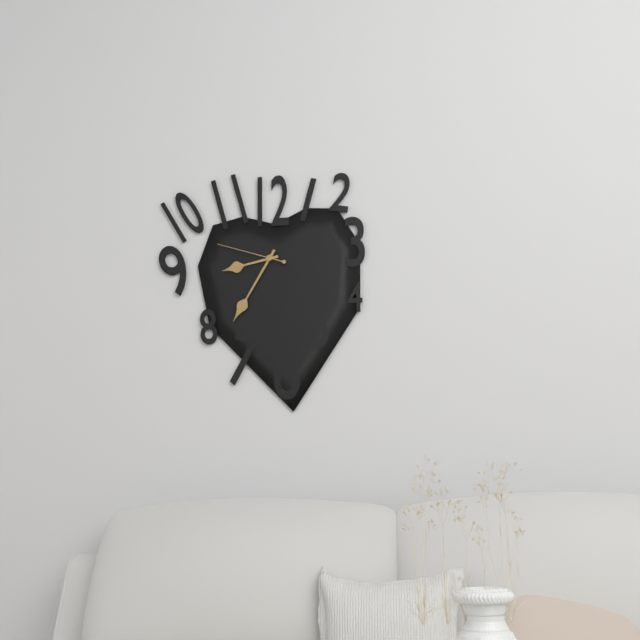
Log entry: {"hour": 8, "minute": 35, "second": 48}
